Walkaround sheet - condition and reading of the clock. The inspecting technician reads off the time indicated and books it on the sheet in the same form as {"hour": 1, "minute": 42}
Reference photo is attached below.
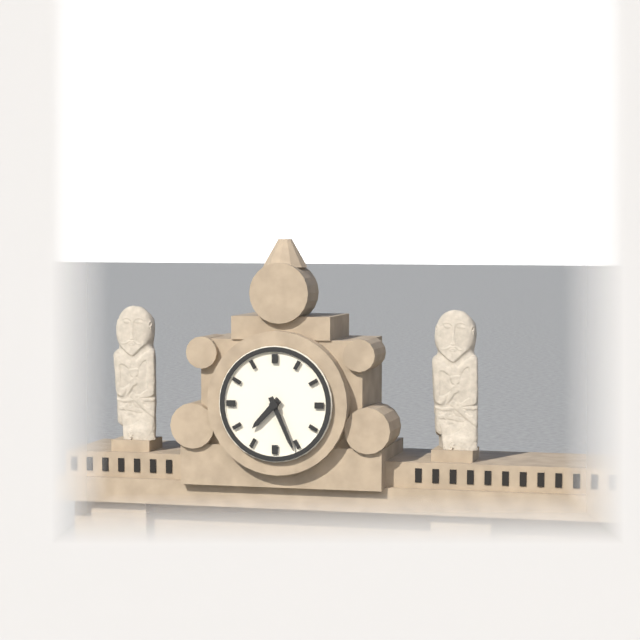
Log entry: {"hour": 7, "minute": 26}
